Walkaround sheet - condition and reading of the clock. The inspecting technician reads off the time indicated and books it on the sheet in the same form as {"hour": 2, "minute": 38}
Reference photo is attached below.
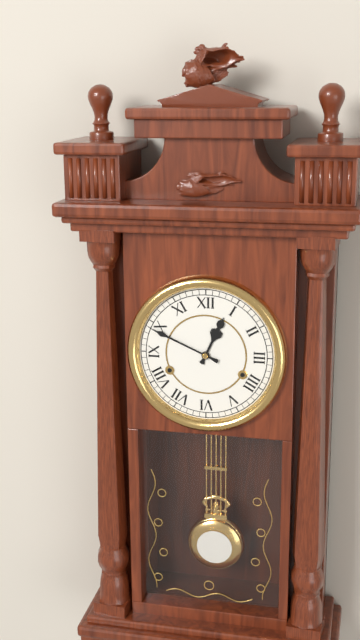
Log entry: {"hour": 12, "minute": 49}
